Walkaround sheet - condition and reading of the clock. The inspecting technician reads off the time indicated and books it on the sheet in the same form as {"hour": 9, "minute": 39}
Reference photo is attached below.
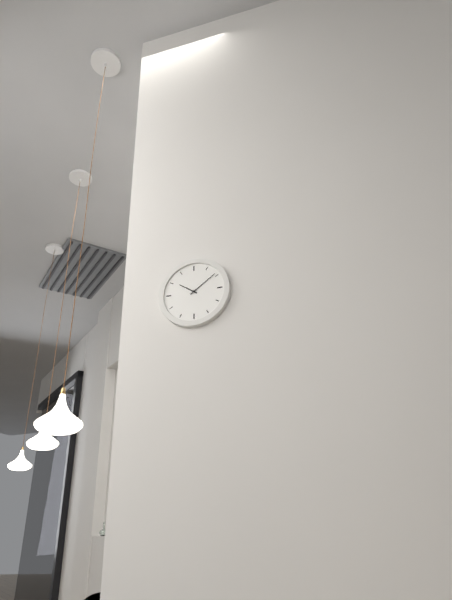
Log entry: {"hour": 10, "minute": 9}
